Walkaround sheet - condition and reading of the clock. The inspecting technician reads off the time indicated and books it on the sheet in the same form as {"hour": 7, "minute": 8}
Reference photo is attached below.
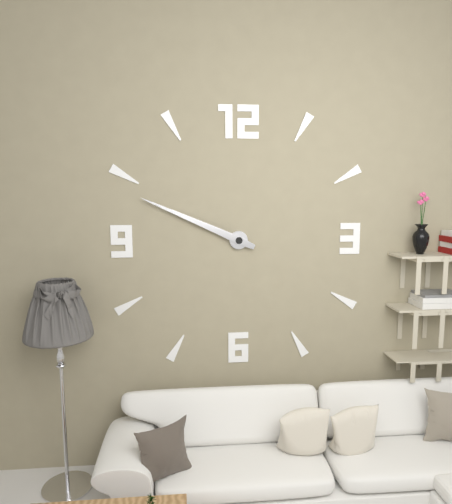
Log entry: {"hour": 9, "minute": 49}
